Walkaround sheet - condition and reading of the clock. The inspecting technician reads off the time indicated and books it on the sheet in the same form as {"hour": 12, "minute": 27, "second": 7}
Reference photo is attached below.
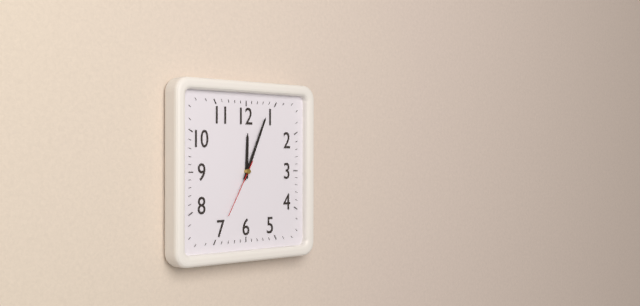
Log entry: {"hour": 12, "minute": 4, "second": 35}
